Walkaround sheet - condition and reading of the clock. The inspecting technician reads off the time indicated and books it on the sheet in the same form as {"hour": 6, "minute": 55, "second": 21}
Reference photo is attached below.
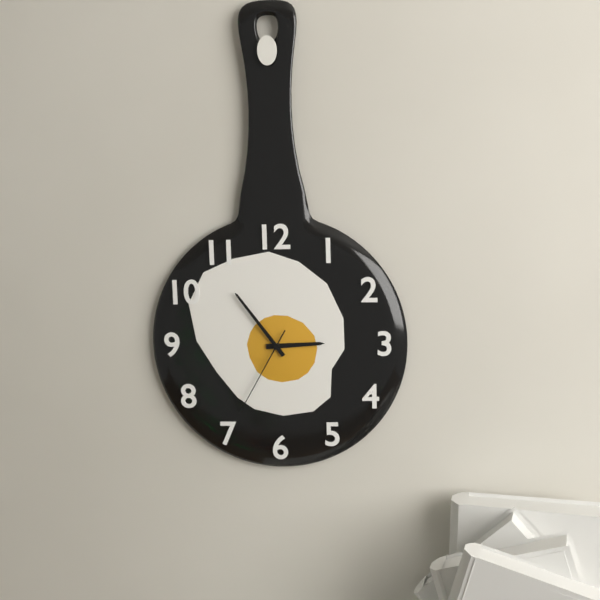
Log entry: {"hour": 2, "minute": 54, "second": 35}
